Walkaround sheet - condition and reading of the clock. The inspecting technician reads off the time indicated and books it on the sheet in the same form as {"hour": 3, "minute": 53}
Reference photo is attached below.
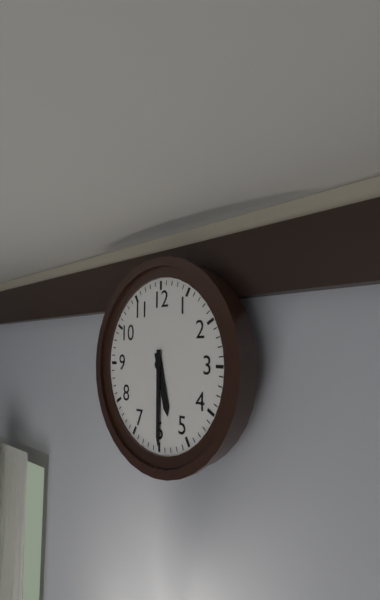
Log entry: {"hour": 5, "minute": 30}
